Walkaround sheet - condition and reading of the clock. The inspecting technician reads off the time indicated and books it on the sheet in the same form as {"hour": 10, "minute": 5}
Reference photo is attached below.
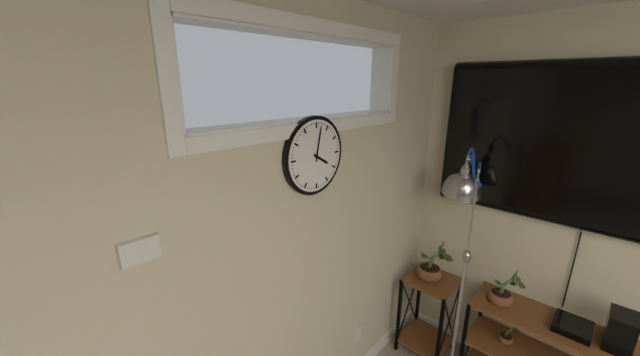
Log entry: {"hour": 4, "minute": 2}
